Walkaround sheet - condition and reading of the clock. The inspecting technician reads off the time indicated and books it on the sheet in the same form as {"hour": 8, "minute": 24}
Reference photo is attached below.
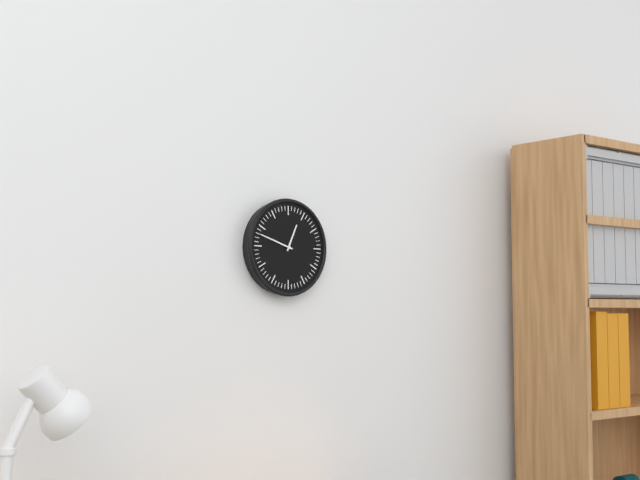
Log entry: {"hour": 12, "minute": 48}
